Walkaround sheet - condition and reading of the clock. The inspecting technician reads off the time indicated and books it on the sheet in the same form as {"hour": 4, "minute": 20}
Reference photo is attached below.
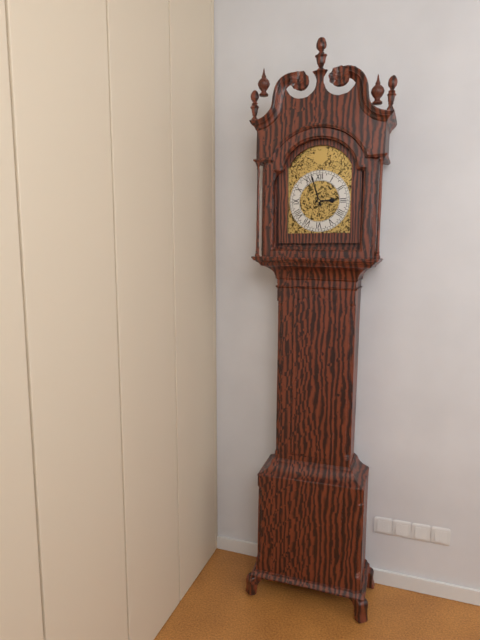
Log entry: {"hour": 2, "minute": 57}
